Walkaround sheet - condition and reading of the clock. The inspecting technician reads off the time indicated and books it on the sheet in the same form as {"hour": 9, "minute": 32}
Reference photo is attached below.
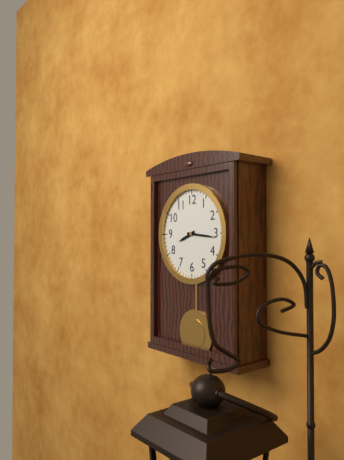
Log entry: {"hour": 8, "minute": 16}
